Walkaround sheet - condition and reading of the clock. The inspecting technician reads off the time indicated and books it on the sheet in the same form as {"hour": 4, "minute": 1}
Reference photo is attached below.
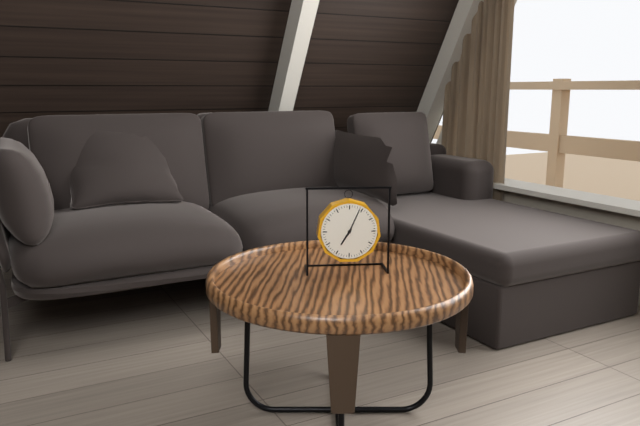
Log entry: {"hour": 7, "minute": 4}
